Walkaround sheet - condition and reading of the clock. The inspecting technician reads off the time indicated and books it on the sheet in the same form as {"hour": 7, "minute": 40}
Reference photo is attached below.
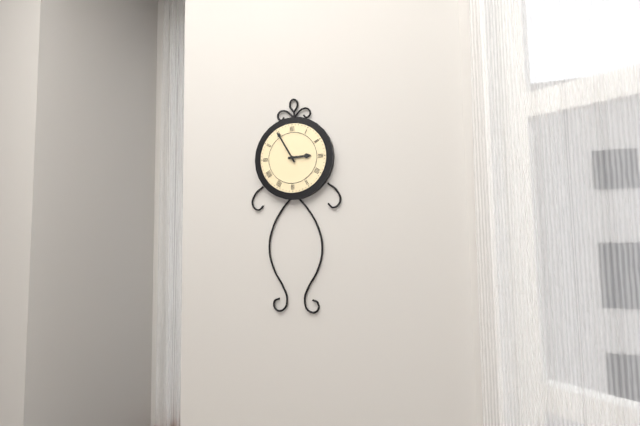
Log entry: {"hour": 2, "minute": 55}
